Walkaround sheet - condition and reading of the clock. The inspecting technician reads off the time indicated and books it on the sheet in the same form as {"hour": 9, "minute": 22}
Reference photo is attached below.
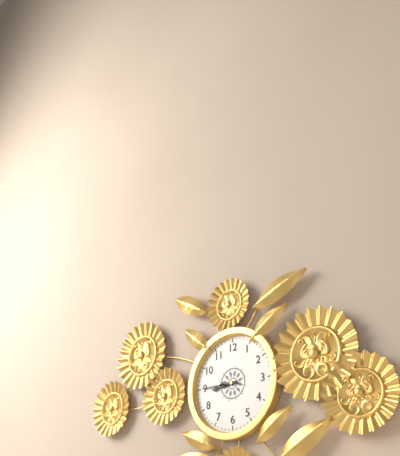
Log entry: {"hour": 8, "minute": 45}
